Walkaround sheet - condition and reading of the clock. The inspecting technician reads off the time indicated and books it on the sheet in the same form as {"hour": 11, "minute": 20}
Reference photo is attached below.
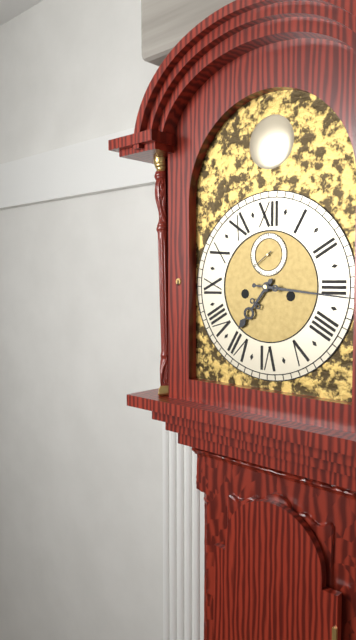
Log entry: {"hour": 7, "minute": 16}
